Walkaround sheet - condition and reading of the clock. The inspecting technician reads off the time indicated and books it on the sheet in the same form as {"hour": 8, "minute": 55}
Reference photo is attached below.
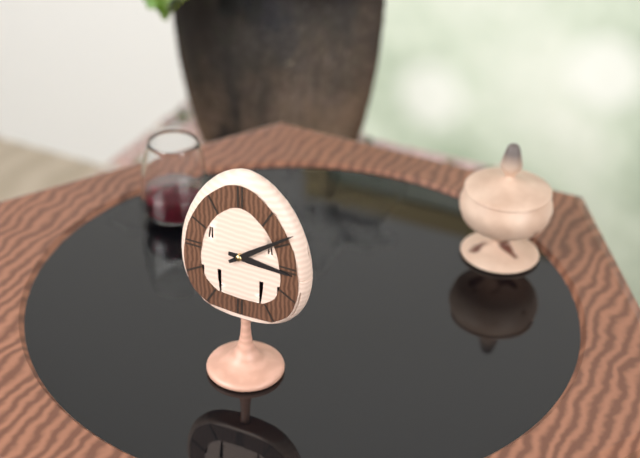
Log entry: {"hour": 3, "minute": 9}
